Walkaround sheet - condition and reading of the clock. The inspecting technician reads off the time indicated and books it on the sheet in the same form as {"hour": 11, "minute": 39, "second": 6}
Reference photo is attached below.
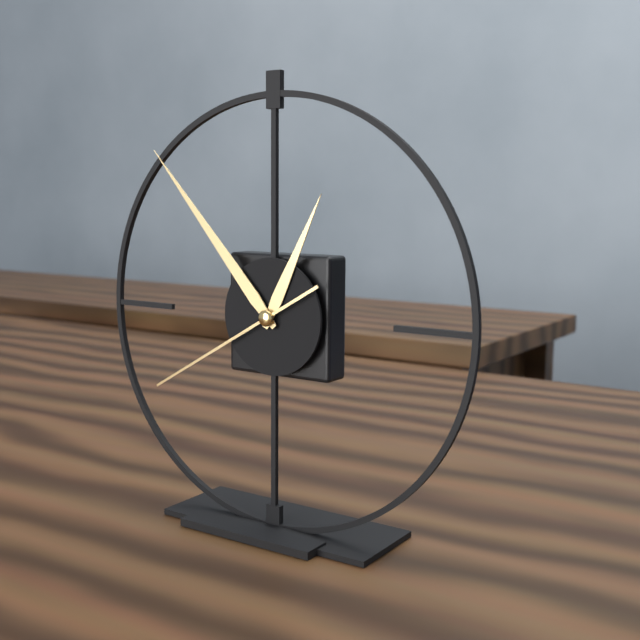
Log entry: {"hour": 12, "minute": 53, "second": 40}
